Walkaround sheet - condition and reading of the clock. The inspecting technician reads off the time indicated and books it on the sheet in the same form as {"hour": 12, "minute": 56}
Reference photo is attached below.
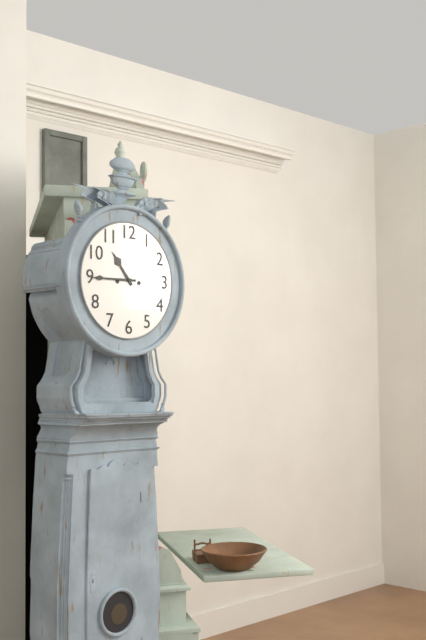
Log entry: {"hour": 10, "minute": 45}
